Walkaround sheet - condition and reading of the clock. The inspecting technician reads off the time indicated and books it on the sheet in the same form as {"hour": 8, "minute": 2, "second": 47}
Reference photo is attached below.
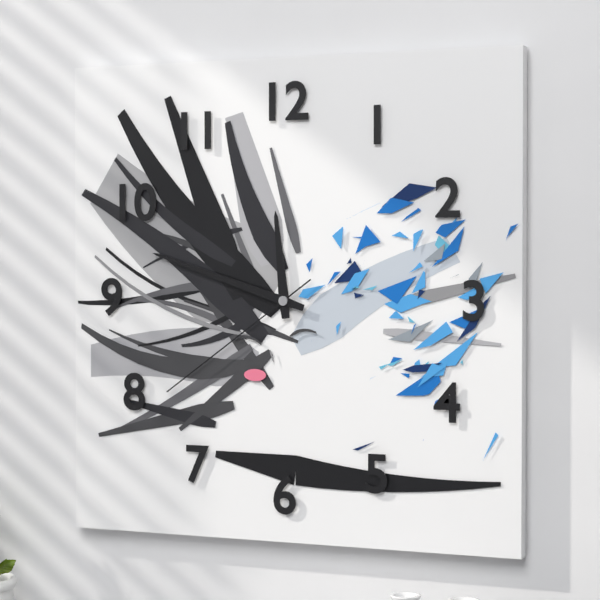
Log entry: {"hour": 11, "minute": 48, "second": 39}
